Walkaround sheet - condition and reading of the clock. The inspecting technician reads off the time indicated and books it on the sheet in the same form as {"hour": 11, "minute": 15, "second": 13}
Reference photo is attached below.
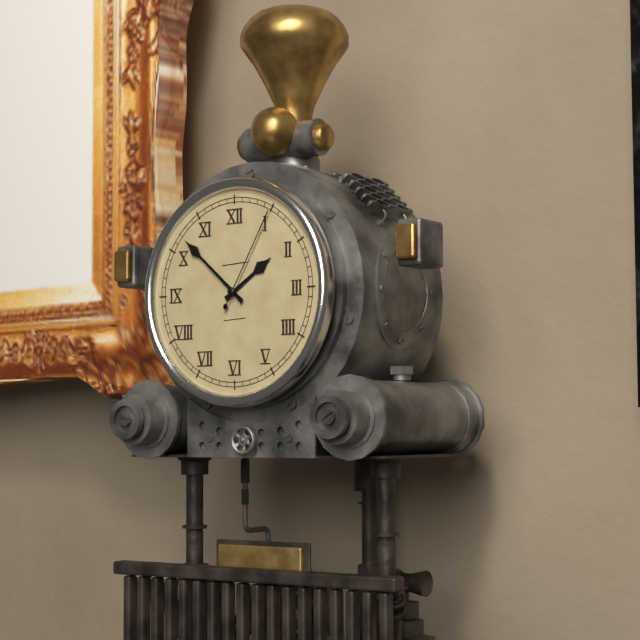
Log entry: {"hour": 1, "minute": 52, "second": 5}
